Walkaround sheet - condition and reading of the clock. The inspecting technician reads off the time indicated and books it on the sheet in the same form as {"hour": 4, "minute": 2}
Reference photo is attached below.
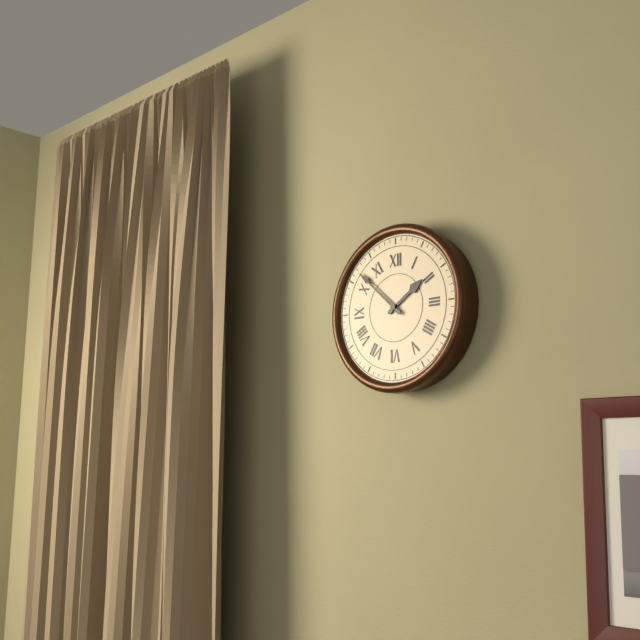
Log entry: {"hour": 1, "minute": 52}
